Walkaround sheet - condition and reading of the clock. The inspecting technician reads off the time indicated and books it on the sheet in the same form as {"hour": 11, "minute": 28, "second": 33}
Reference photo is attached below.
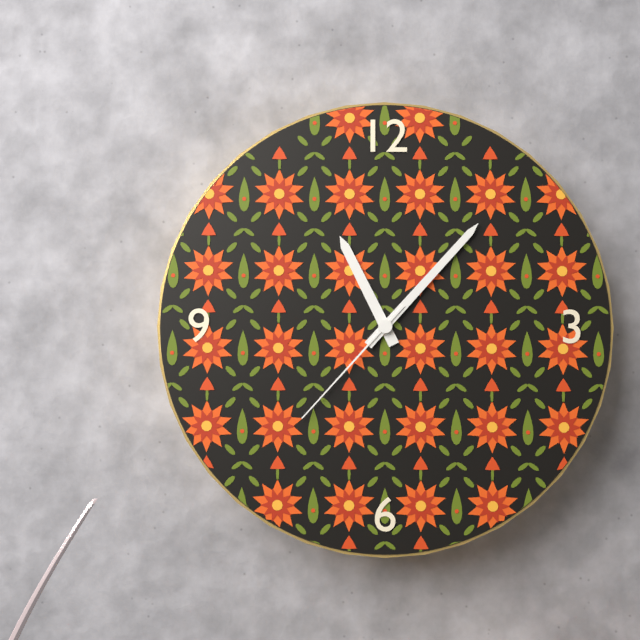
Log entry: {"hour": 11, "minute": 7, "second": 37}
